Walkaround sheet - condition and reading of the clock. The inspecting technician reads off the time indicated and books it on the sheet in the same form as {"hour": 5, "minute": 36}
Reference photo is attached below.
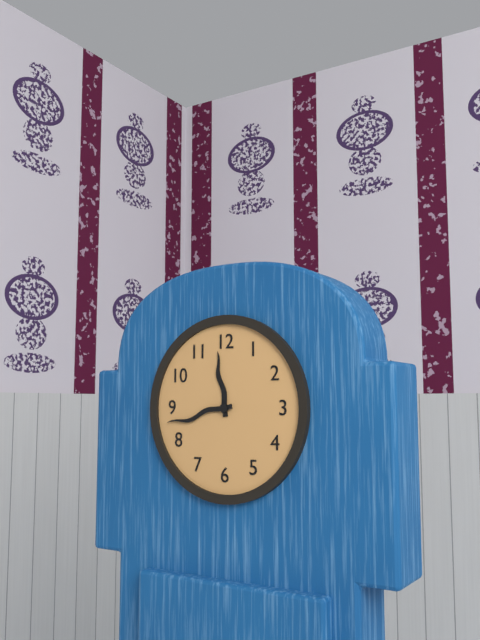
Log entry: {"hour": 11, "minute": 43}
